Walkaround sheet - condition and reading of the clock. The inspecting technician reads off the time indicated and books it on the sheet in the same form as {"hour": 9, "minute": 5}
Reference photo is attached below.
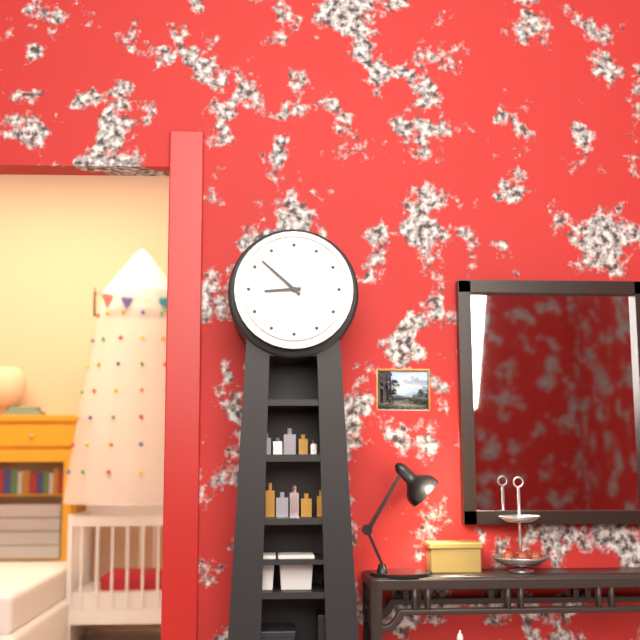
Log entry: {"hour": 8, "minute": 52}
